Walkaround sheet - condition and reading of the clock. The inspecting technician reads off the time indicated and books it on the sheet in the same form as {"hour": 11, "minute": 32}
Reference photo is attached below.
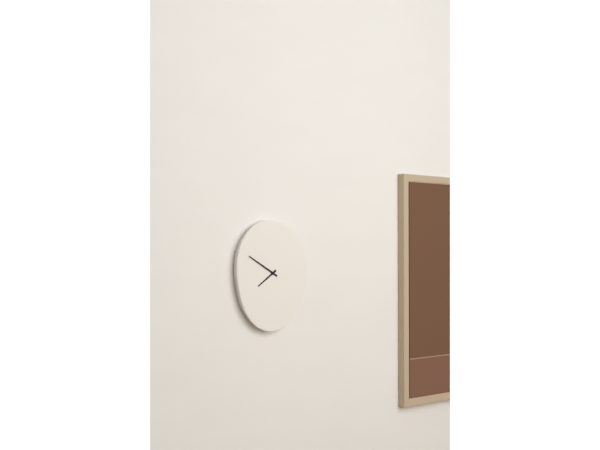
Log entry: {"hour": 7, "minute": 50}
